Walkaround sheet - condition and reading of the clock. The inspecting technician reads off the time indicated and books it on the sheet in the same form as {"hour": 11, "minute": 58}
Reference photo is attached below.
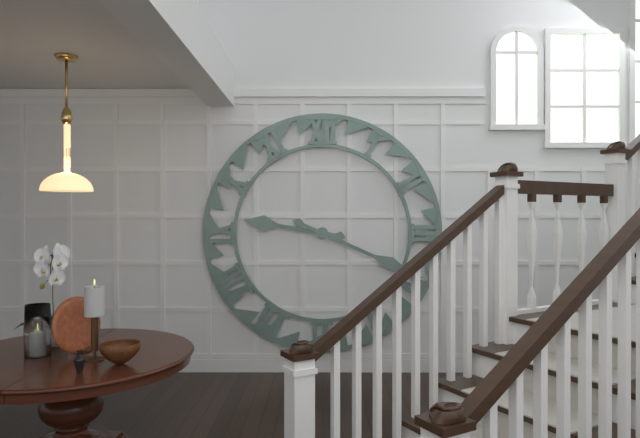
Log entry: {"hour": 9, "minute": 19}
